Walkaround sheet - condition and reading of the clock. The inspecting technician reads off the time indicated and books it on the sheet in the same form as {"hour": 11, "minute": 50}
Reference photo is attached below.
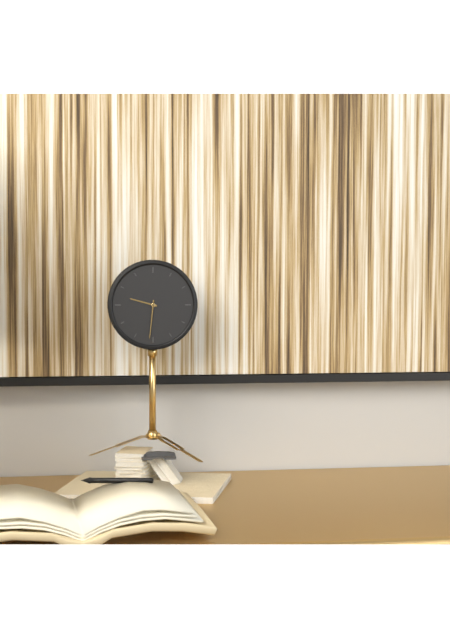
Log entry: {"hour": 9, "minute": 31}
